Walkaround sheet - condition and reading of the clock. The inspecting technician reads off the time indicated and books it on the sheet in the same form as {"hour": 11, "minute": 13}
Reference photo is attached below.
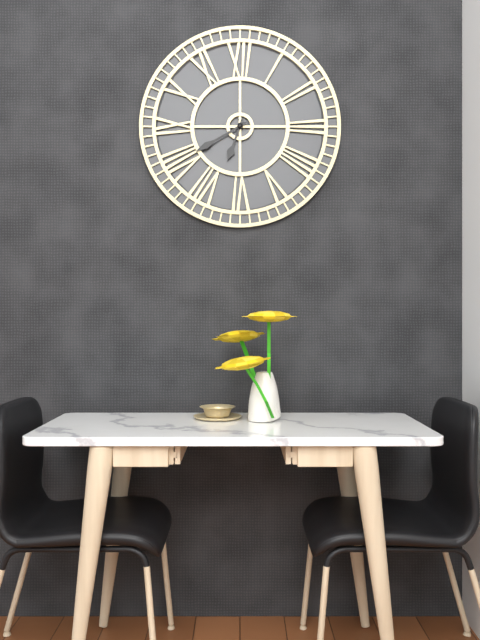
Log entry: {"hour": 6, "minute": 40}
